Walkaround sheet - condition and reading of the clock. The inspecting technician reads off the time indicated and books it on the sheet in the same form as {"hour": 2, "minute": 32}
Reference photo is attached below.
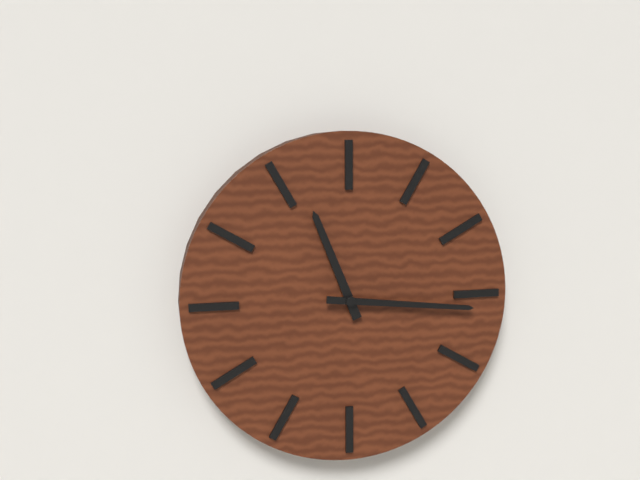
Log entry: {"hour": 11, "minute": 16}
